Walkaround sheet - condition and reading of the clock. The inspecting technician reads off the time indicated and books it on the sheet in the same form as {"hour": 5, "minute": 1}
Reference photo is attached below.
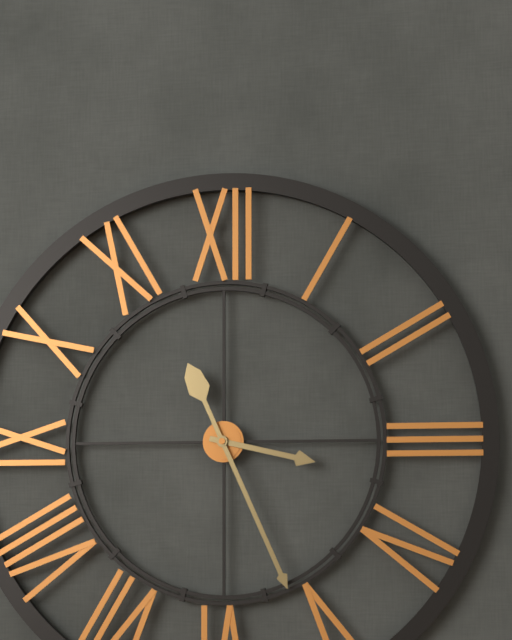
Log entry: {"hour": 3, "minute": 26}
